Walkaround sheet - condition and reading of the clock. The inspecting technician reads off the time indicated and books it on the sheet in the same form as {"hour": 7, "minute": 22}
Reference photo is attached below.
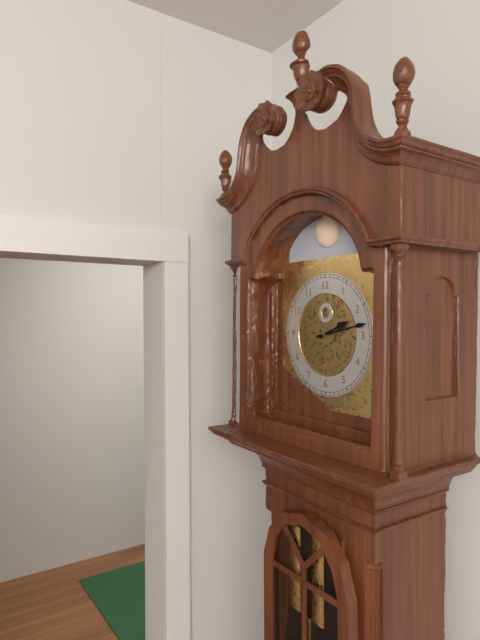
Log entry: {"hour": 2, "minute": 13}
